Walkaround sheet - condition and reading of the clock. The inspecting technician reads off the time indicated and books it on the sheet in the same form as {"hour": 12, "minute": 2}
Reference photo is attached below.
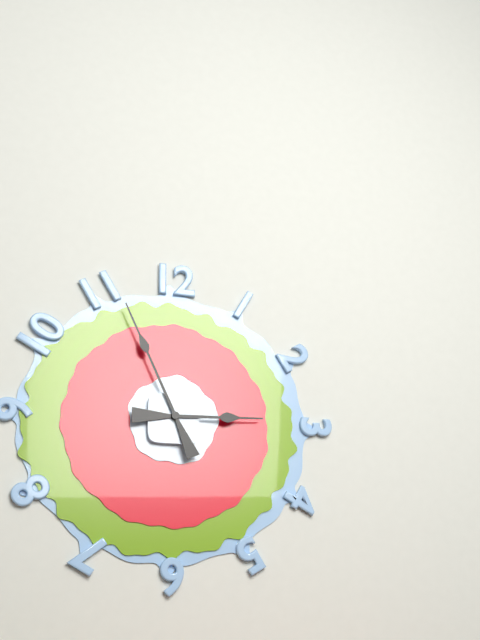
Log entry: {"hour": 2, "minute": 56}
